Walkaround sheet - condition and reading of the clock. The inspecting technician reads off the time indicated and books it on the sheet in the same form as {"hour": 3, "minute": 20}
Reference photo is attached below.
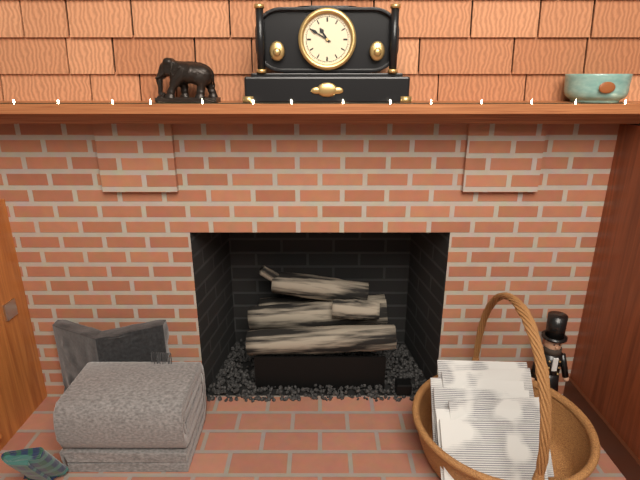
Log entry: {"hour": 10, "minute": 50}
